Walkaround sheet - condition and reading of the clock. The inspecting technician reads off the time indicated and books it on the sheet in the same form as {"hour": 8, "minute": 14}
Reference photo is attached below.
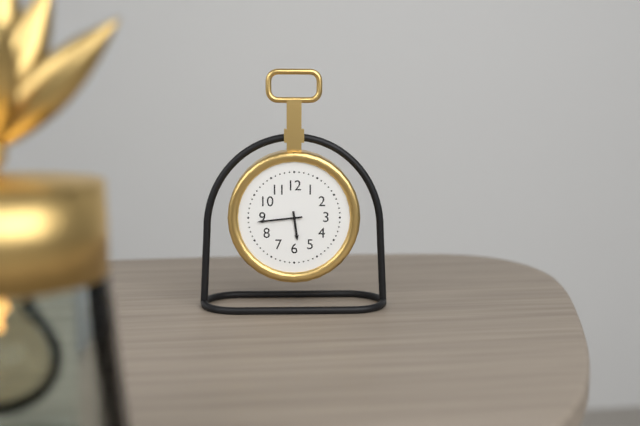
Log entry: {"hour": 5, "minute": 44}
